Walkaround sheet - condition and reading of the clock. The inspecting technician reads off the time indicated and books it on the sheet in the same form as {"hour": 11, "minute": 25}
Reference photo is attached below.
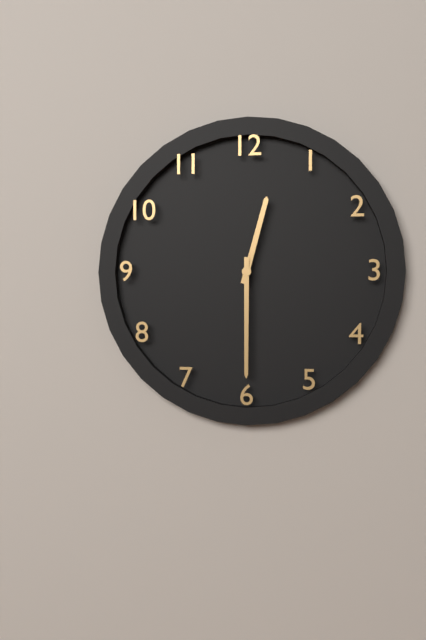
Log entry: {"hour": 12, "minute": 30}
